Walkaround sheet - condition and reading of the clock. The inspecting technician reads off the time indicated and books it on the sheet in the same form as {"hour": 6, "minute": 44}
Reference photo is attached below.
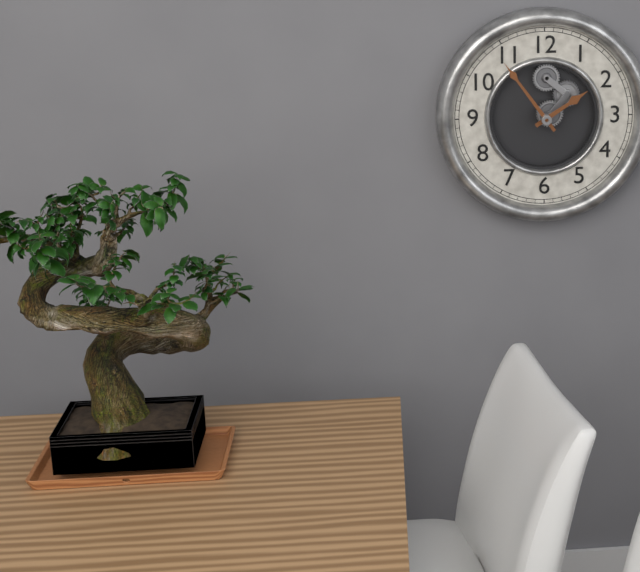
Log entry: {"hour": 1, "minute": 54}
